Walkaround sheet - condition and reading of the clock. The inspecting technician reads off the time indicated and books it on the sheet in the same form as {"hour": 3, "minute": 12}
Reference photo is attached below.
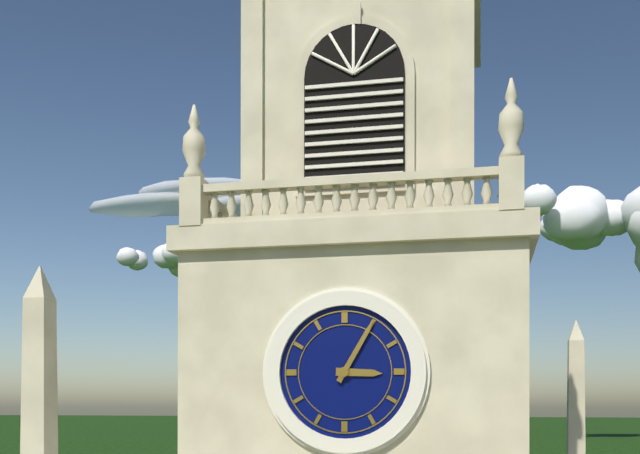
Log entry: {"hour": 3, "minute": 5}
